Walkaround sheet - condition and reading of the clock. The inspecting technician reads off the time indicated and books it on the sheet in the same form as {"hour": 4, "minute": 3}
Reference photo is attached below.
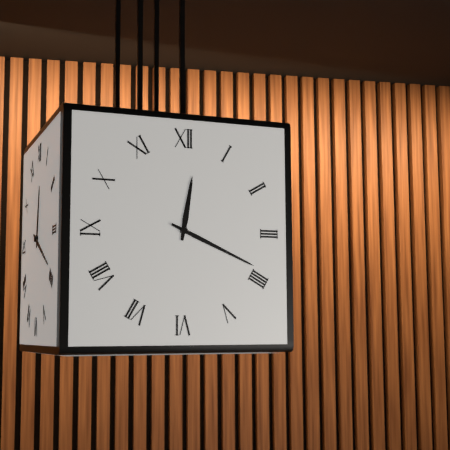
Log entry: {"hour": 12, "minute": 19}
